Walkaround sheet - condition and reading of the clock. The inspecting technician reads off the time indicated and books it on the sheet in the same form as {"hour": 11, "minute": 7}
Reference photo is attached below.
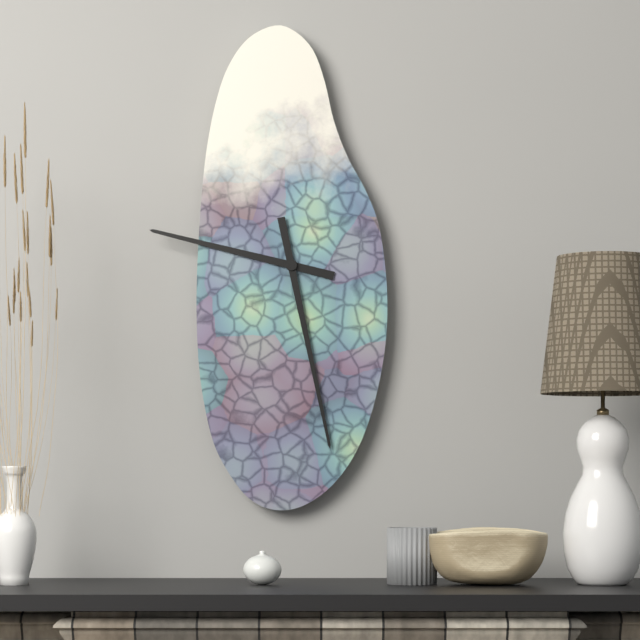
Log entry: {"hour": 9, "minute": 28}
